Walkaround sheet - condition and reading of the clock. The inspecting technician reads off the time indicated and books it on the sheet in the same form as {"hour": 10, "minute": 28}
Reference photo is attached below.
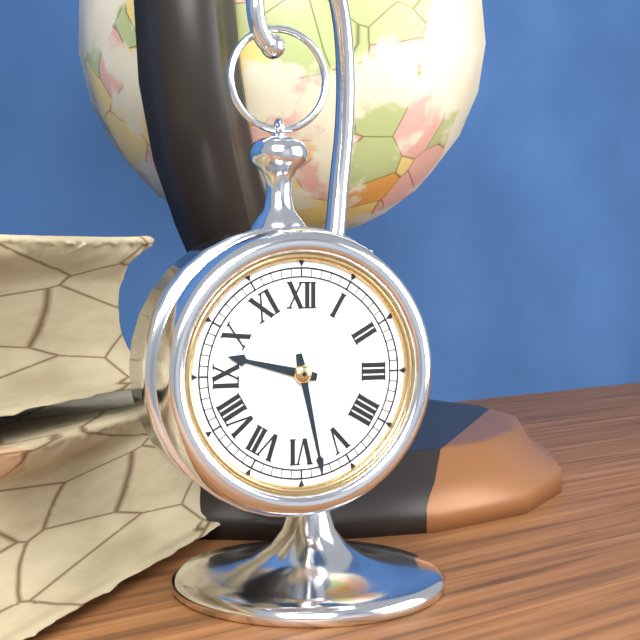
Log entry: {"hour": 9, "minute": 28}
